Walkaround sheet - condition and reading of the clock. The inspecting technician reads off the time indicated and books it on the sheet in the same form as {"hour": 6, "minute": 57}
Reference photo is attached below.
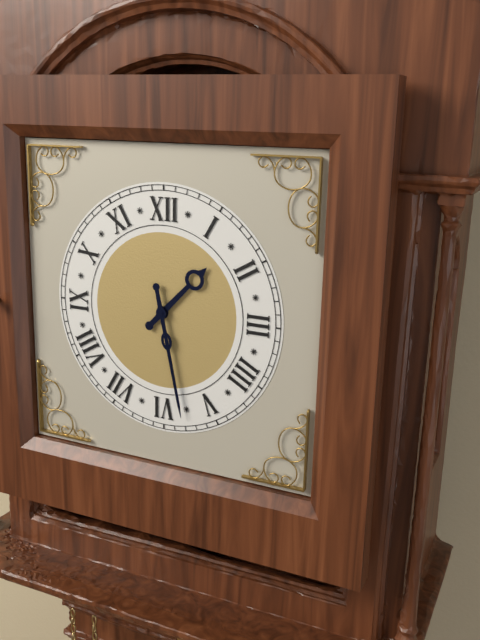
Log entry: {"hour": 1, "minute": 28}
